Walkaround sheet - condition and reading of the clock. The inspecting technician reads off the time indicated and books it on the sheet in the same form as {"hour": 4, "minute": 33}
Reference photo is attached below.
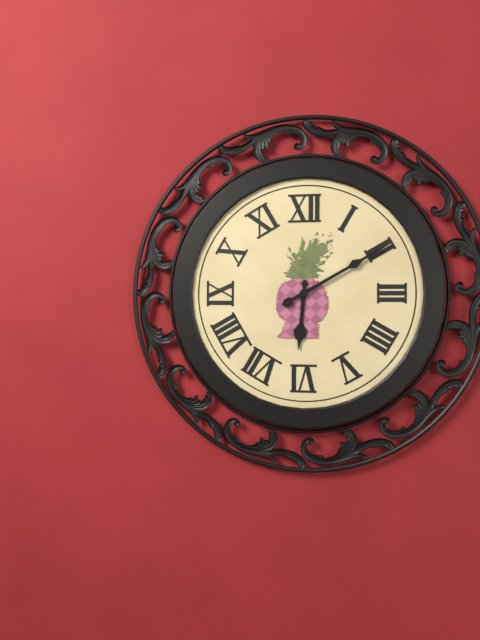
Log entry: {"hour": 6, "minute": 10}
